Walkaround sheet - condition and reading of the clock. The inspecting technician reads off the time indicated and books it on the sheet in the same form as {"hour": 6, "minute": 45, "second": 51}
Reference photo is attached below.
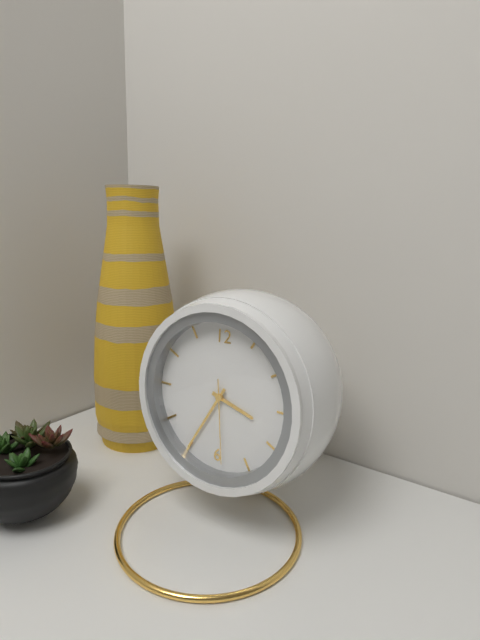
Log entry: {"hour": 3, "minute": 35, "second": 29}
